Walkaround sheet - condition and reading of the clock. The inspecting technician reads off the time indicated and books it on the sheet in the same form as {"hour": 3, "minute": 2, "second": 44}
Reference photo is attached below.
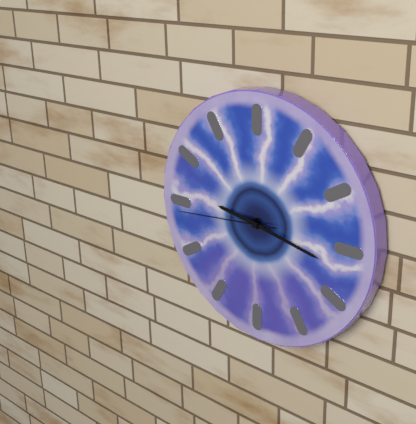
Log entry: {"hour": 9, "minute": 17, "second": 44}
